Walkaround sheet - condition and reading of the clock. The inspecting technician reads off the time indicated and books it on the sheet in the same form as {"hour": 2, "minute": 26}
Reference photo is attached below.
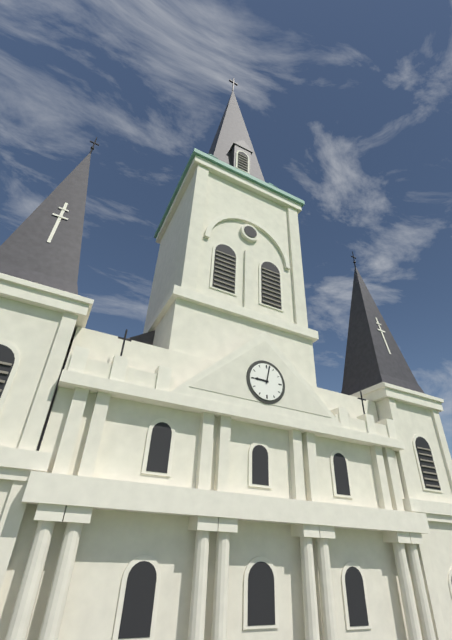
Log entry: {"hour": 9, "minute": 2}
